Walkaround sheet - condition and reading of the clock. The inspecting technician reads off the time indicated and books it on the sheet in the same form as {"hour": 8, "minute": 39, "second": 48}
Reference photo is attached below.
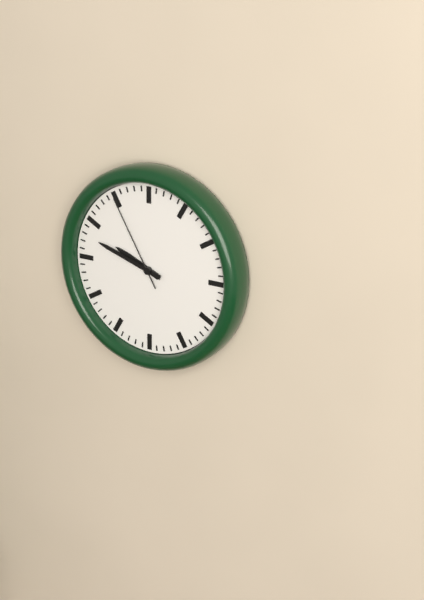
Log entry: {"hour": 9, "minute": 48, "second": 55}
